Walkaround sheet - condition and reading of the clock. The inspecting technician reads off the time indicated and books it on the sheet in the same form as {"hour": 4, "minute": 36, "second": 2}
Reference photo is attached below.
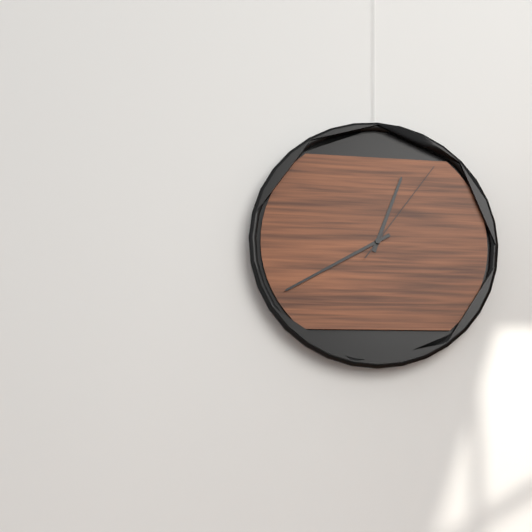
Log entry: {"hour": 12, "minute": 40, "second": 6}
